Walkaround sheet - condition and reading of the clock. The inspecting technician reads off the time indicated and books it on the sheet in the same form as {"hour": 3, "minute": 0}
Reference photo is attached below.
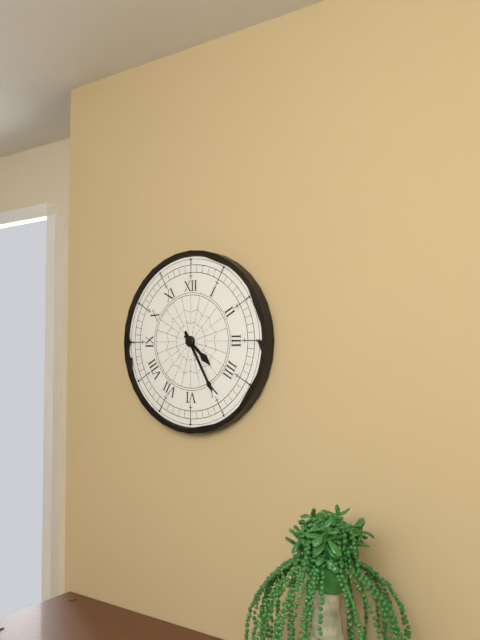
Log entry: {"hour": 4, "minute": 25}
